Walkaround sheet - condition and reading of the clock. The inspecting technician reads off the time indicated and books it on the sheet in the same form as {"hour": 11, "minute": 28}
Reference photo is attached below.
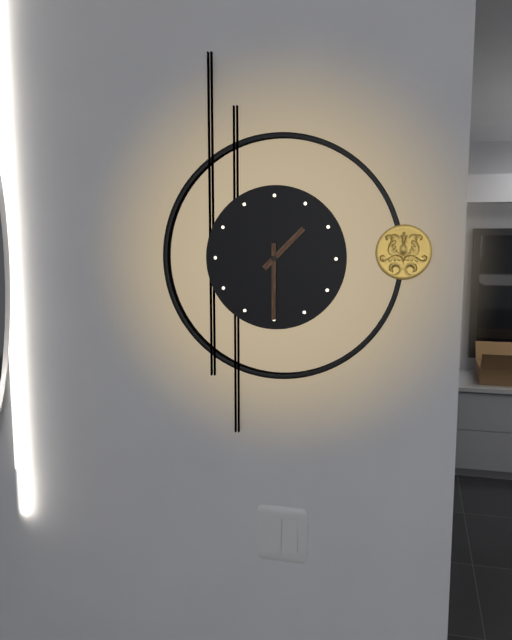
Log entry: {"hour": 1, "minute": 30}
